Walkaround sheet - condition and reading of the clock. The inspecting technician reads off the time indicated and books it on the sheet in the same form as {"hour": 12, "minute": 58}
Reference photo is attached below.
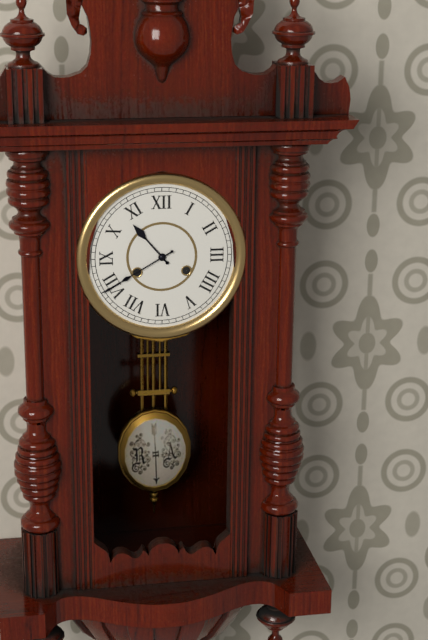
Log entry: {"hour": 10, "minute": 40}
